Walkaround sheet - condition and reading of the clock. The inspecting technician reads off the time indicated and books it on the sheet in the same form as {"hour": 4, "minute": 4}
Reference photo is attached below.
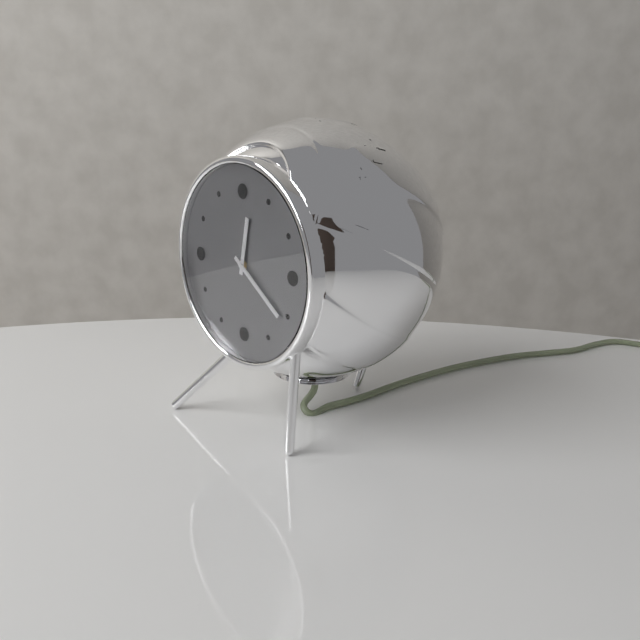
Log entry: {"hour": 12, "minute": 21}
